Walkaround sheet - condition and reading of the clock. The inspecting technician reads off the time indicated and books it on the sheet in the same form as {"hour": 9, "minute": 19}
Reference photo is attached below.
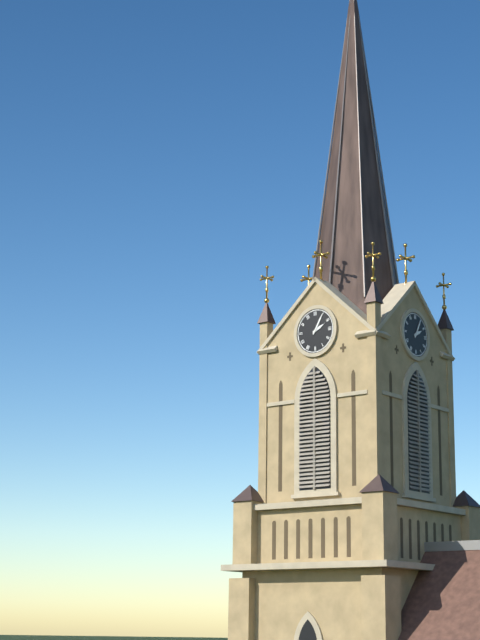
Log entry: {"hour": 2, "minute": 5}
